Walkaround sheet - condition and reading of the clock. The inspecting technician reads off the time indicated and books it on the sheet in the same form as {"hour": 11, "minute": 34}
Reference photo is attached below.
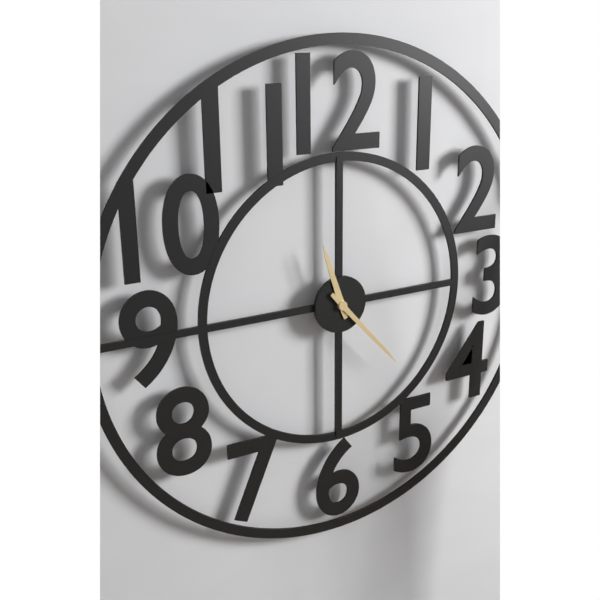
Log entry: {"hour": 11, "minute": 23}
